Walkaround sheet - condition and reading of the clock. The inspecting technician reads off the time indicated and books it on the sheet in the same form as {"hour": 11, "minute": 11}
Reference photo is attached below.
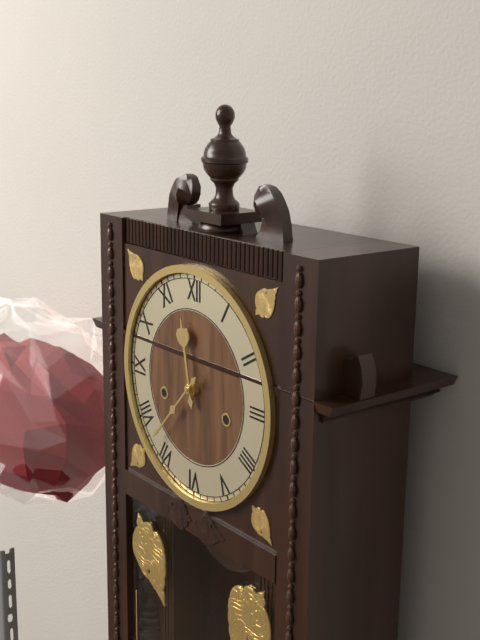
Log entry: {"hour": 11, "minute": 37}
